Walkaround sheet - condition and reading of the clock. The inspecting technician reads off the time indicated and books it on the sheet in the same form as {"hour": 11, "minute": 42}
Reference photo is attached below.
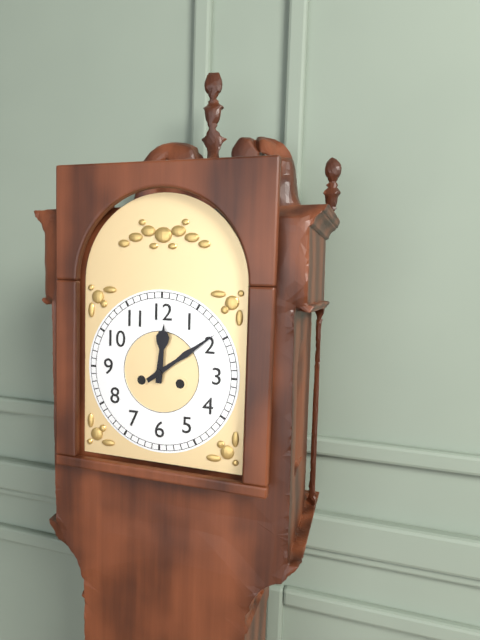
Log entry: {"hour": 12, "minute": 9}
